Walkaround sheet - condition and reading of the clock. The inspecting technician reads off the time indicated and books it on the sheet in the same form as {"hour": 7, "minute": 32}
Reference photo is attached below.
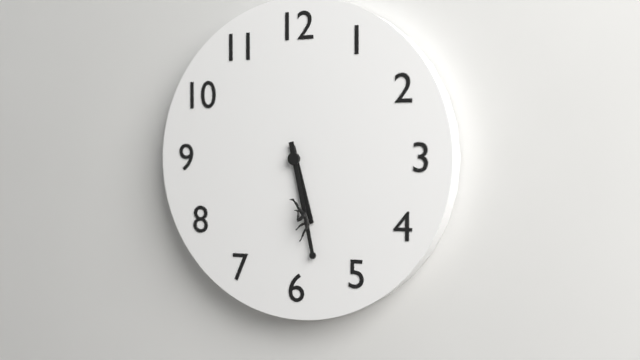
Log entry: {"hour": 5, "minute": 28}
